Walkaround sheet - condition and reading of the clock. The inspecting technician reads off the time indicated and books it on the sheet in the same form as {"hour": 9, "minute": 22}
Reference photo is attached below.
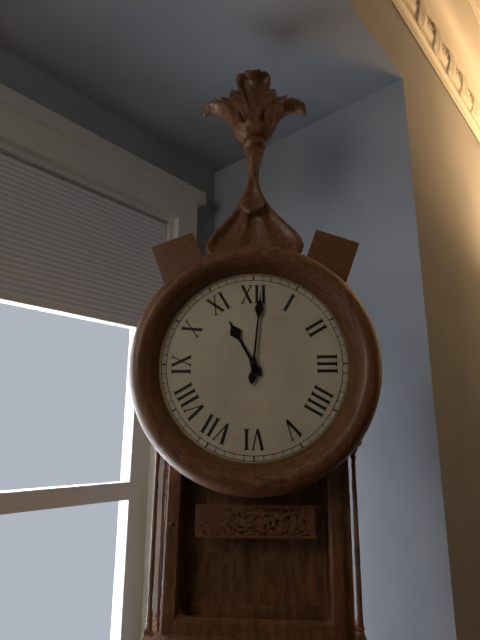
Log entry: {"hour": 11, "minute": 1}
